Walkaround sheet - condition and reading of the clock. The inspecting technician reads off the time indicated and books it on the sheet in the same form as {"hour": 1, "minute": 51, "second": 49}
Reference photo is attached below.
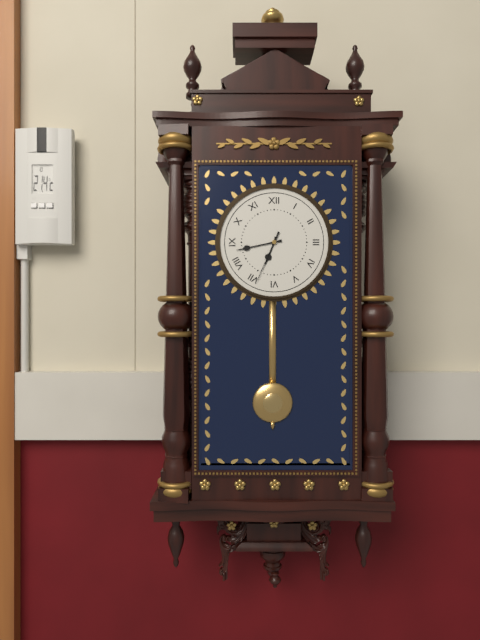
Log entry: {"hour": 6, "minute": 43, "second": 34}
